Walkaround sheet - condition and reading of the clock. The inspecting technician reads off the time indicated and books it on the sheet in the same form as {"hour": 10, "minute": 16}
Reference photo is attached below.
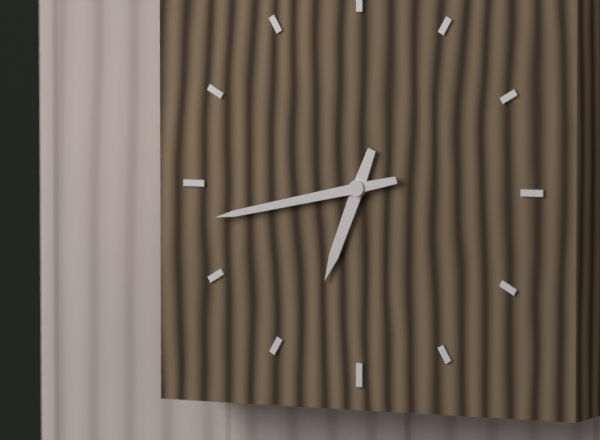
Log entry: {"hour": 6, "minute": 43}
